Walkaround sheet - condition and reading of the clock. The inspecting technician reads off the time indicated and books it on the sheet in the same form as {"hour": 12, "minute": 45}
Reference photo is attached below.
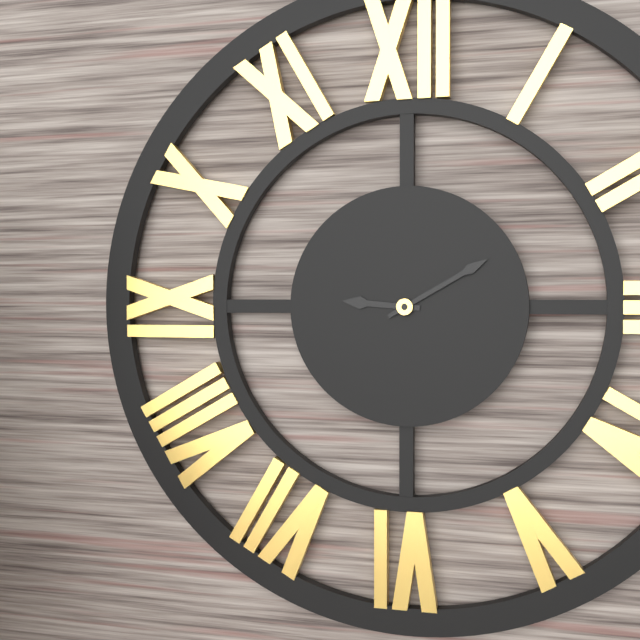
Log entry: {"hour": 9, "minute": 10}
